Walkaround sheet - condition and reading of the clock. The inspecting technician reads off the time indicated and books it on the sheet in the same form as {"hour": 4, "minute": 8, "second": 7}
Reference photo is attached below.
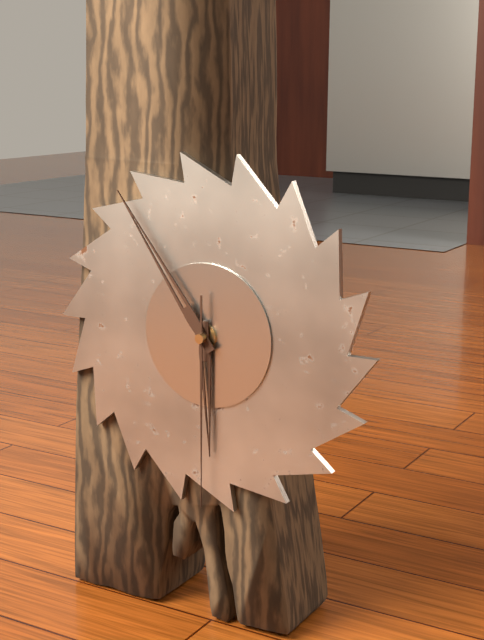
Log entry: {"hour": 5, "minute": 54, "second": 30}
